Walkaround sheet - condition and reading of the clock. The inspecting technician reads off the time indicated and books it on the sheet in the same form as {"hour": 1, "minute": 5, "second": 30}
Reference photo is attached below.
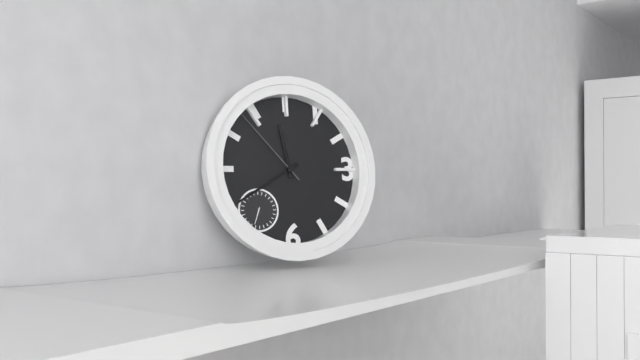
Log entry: {"hour": 11, "minute": 40, "second": 53}
